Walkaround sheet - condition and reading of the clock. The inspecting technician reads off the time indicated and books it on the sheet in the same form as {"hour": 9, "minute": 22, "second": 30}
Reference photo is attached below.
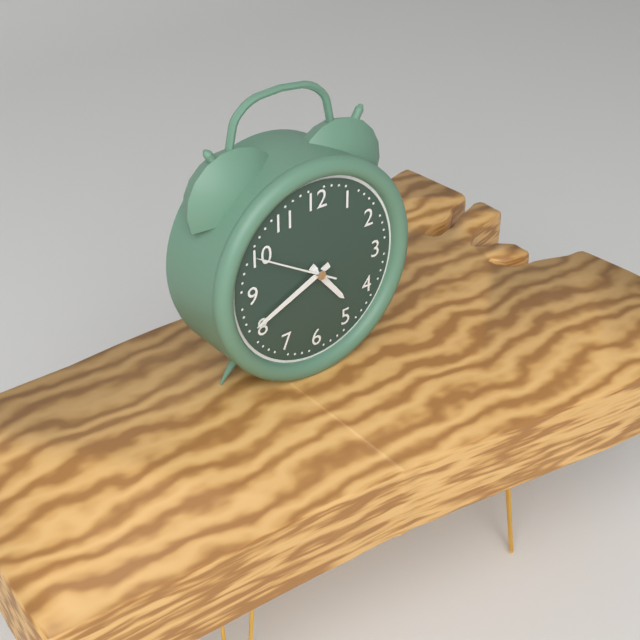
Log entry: {"hour": 4, "minute": 41, "second": 50}
